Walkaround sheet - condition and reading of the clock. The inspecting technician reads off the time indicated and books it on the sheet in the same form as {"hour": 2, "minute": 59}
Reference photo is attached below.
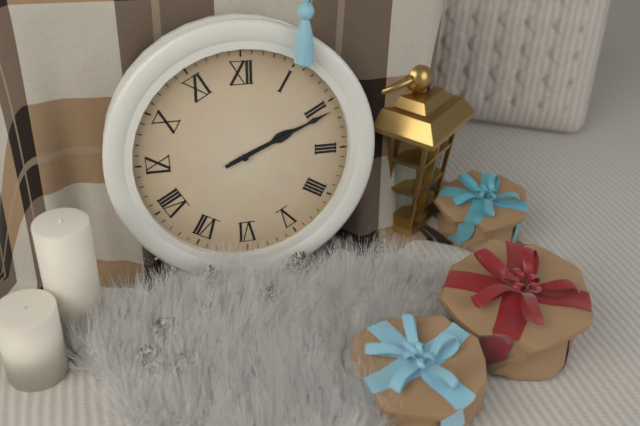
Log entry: {"hour": 2, "minute": 11}
